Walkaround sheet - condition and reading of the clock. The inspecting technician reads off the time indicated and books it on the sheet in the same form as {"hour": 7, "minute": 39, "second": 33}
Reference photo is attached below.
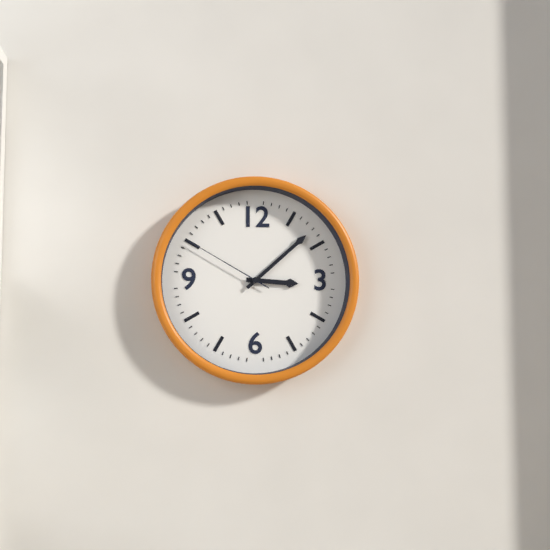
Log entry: {"hour": 3, "minute": 8, "second": 50}
